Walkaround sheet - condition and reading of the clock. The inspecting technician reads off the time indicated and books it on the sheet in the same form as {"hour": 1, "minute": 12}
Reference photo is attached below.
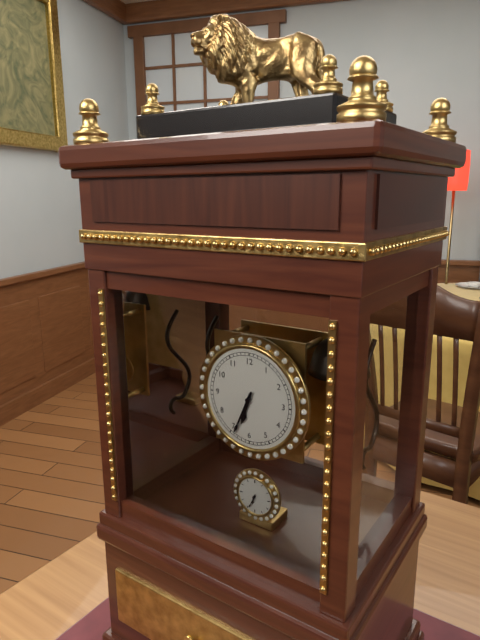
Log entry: {"hour": 6, "minute": 34}
